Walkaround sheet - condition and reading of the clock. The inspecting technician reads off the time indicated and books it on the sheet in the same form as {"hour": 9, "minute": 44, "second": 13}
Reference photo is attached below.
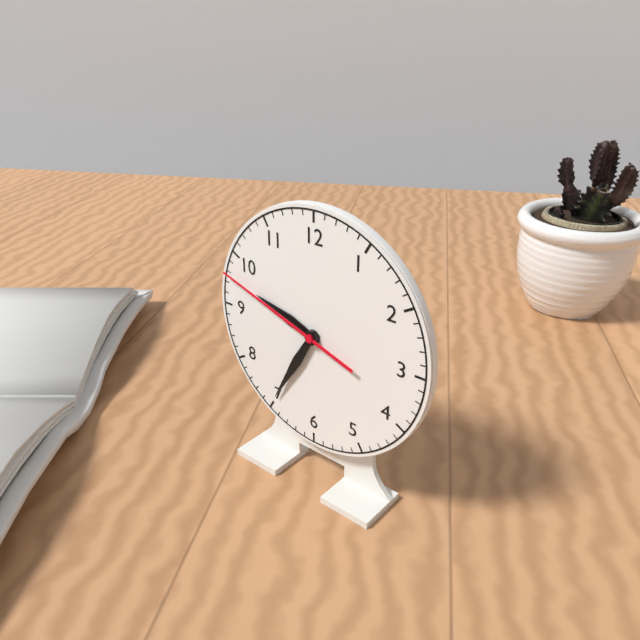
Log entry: {"hour": 9, "minute": 35, "second": 48}
